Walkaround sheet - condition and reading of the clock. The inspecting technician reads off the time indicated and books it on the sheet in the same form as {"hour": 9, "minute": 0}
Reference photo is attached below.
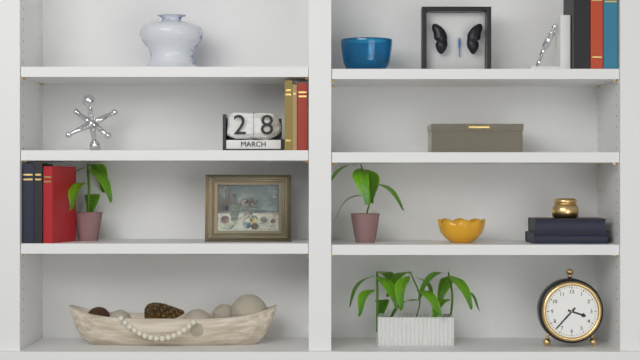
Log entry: {"hour": 3, "minute": 37}
